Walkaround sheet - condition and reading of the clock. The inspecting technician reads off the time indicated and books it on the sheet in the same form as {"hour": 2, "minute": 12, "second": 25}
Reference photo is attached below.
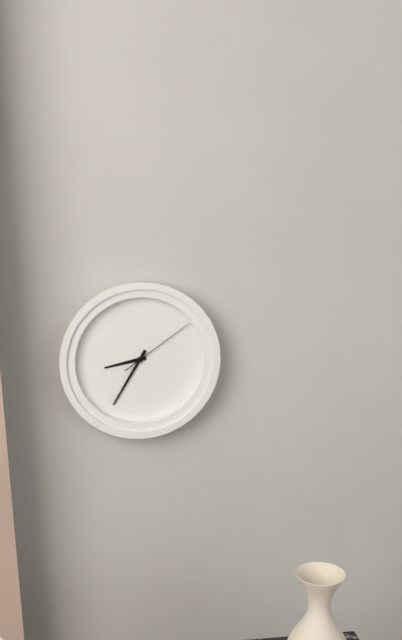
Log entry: {"hour": 8, "minute": 35, "second": 9}
